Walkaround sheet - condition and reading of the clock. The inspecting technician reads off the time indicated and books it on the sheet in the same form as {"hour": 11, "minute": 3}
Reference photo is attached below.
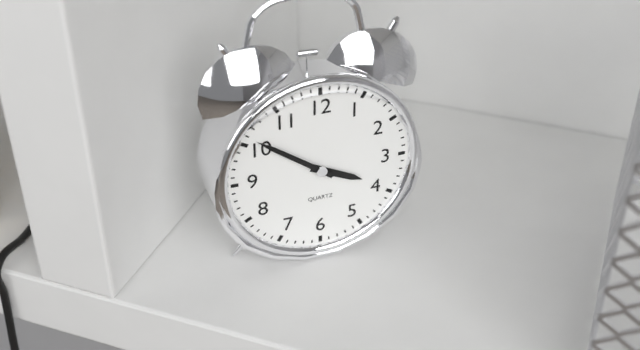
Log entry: {"hour": 3, "minute": 51}
